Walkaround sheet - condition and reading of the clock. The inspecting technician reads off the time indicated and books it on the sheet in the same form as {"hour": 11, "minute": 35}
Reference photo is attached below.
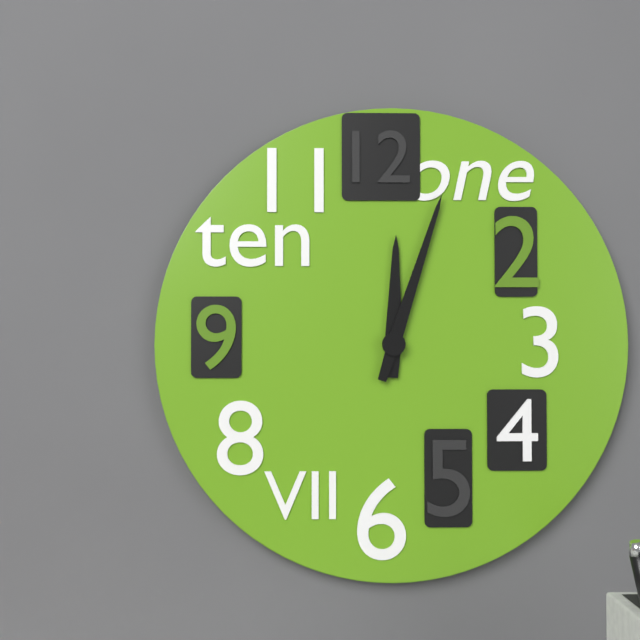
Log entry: {"hour": 12, "minute": 3}
